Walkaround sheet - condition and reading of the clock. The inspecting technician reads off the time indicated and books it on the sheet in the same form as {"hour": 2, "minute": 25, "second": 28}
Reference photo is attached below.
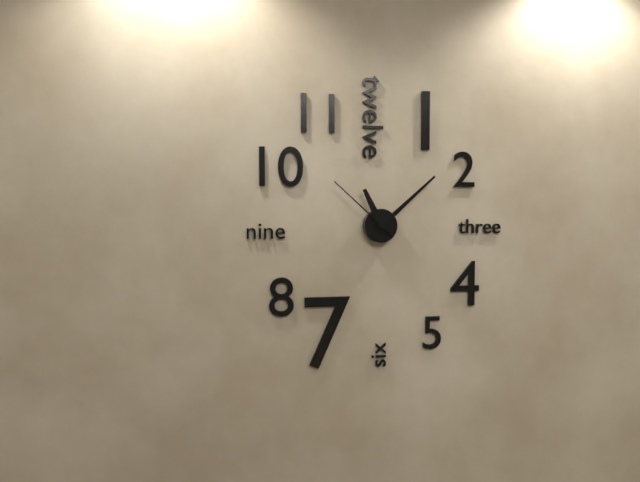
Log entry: {"hour": 11, "minute": 8, "second": 52}
